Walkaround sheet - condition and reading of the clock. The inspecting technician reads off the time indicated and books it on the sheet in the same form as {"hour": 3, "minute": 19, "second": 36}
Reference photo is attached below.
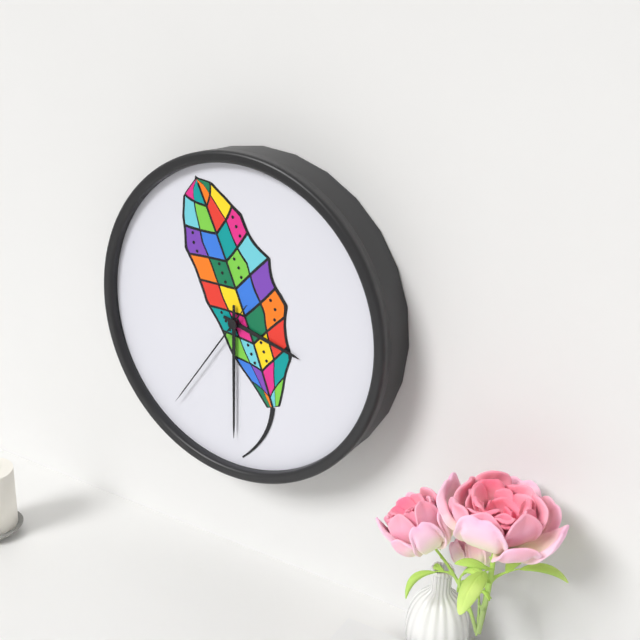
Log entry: {"hour": 3, "minute": 30, "second": 36}
